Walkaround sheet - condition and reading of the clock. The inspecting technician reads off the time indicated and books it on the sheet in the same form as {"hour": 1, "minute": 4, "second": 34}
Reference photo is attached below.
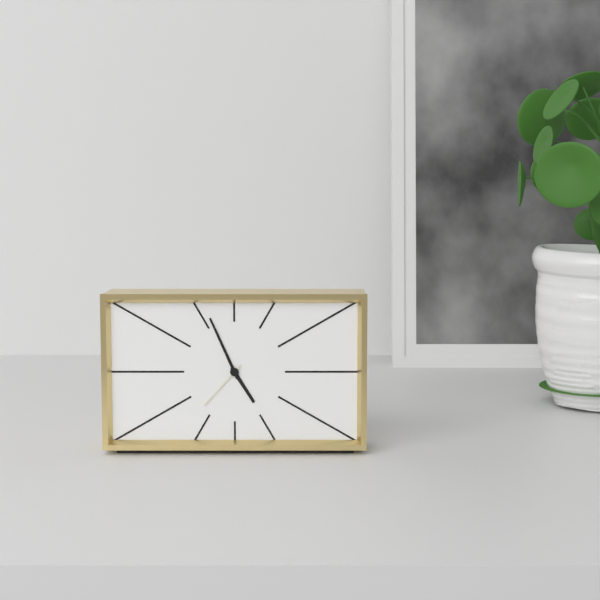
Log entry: {"hour": 4, "minute": 56, "second": 37}
